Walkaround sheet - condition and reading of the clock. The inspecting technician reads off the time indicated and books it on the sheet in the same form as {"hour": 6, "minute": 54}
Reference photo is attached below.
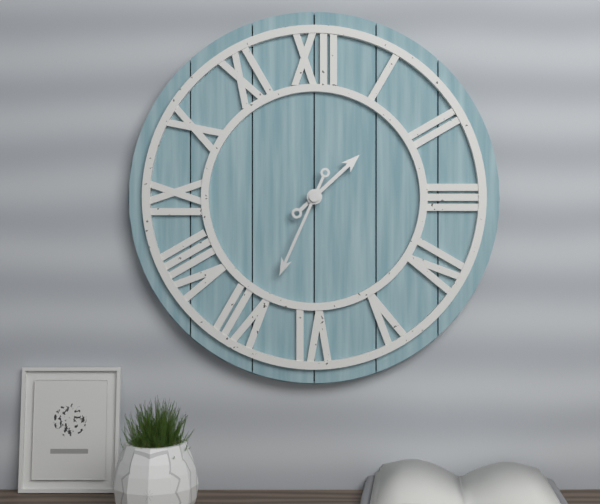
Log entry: {"hour": 1, "minute": 34}
